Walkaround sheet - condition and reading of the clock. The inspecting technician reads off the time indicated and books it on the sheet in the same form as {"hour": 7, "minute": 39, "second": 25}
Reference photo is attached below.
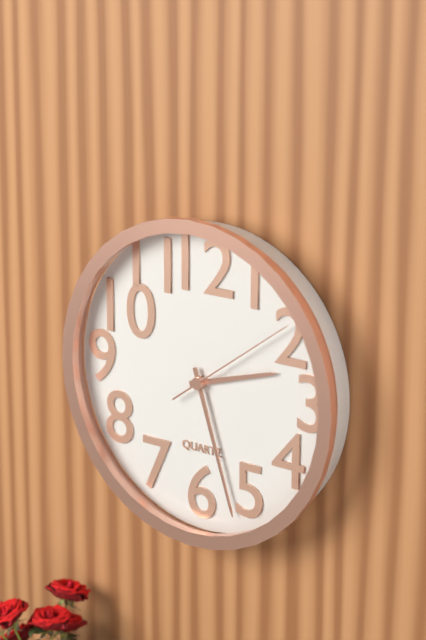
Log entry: {"hour": 2, "minute": 27, "second": 9}
